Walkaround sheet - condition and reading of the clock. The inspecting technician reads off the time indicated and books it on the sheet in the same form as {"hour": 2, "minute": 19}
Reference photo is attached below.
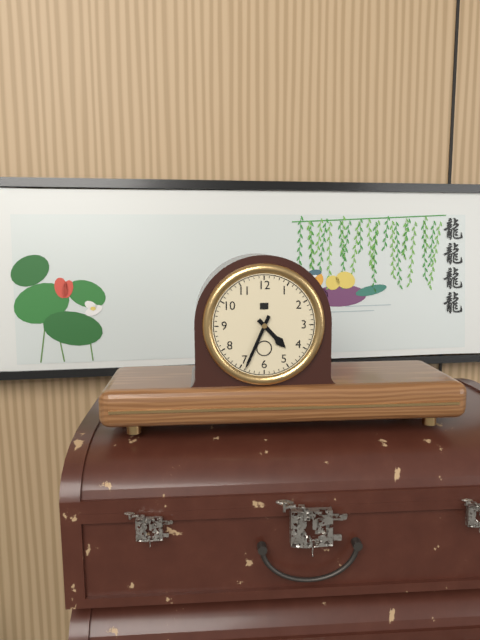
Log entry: {"hour": 4, "minute": 34}
